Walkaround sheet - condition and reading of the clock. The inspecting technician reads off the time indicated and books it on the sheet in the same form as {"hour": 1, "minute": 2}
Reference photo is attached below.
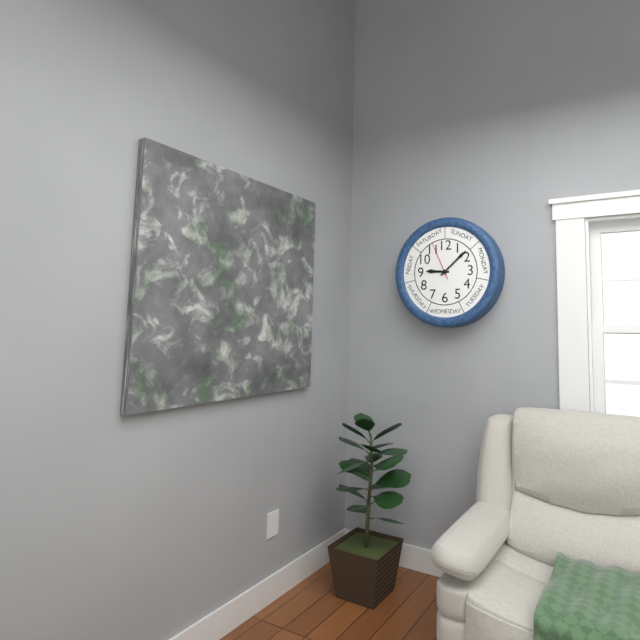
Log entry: {"hour": 9, "minute": 8}
